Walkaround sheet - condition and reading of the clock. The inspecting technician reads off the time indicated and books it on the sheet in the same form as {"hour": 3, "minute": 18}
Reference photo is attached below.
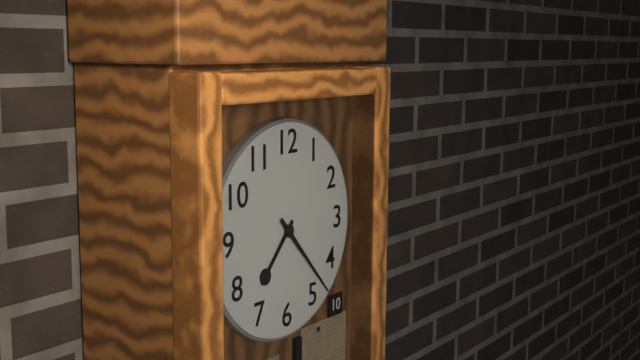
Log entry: {"hour": 7, "minute": 23}
